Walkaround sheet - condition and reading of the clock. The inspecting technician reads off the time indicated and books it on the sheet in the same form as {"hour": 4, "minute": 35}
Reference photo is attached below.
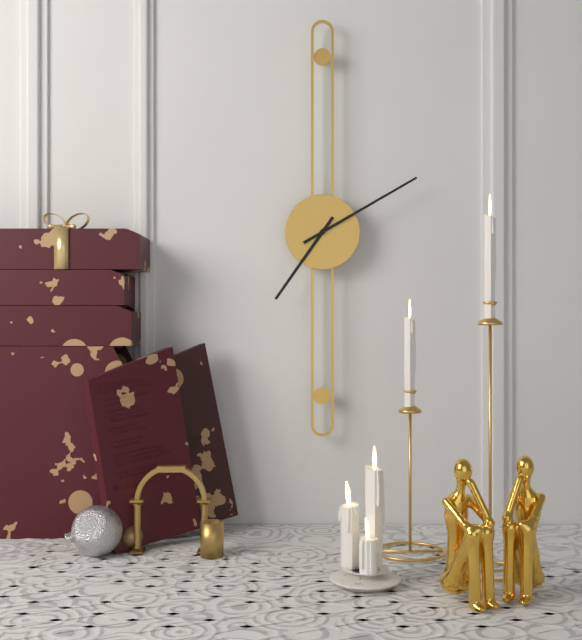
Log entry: {"hour": 7, "minute": 10}
